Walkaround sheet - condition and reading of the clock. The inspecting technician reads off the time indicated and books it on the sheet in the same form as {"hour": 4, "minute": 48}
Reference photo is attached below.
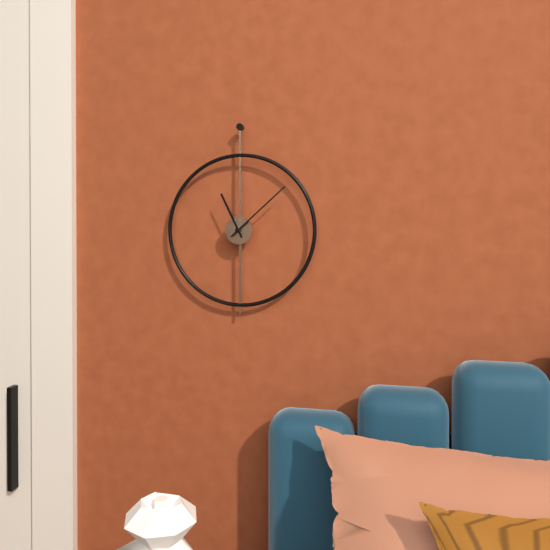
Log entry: {"hour": 11, "minute": 8}
